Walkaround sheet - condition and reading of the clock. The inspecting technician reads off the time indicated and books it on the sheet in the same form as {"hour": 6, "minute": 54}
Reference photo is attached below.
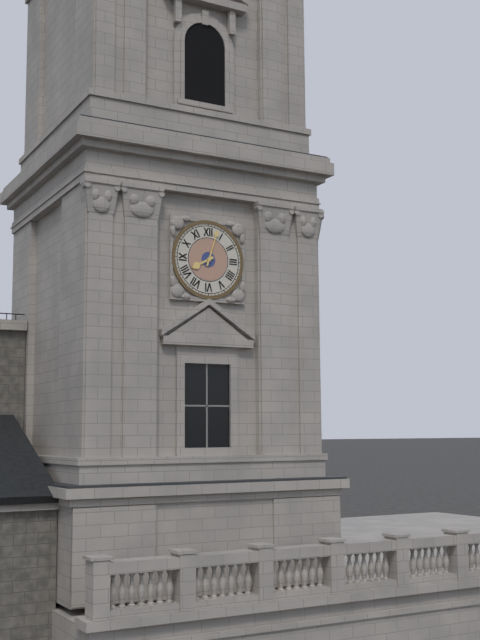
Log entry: {"hour": 8, "minute": 3}
